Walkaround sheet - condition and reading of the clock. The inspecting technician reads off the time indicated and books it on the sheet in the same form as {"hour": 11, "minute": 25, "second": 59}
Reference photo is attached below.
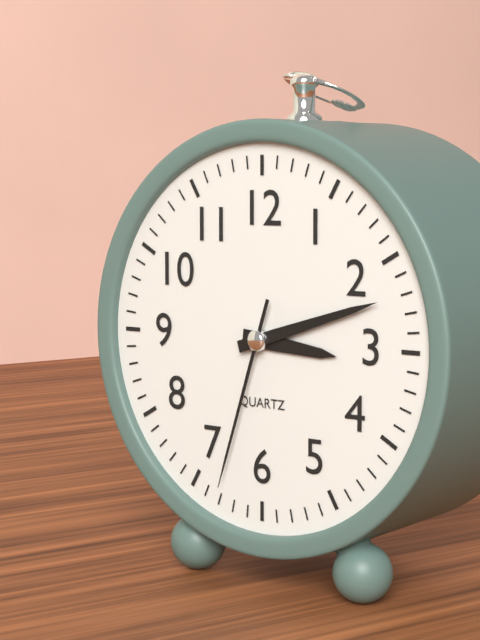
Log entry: {"hour": 3, "minute": 12, "second": 33}
